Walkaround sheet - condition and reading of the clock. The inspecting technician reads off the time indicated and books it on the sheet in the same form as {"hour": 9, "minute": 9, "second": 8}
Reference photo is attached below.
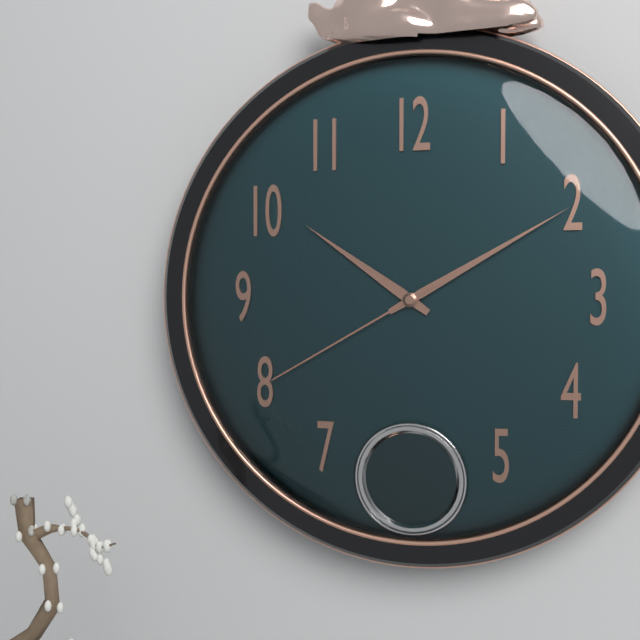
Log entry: {"hour": 10, "minute": 10, "second": 40}
